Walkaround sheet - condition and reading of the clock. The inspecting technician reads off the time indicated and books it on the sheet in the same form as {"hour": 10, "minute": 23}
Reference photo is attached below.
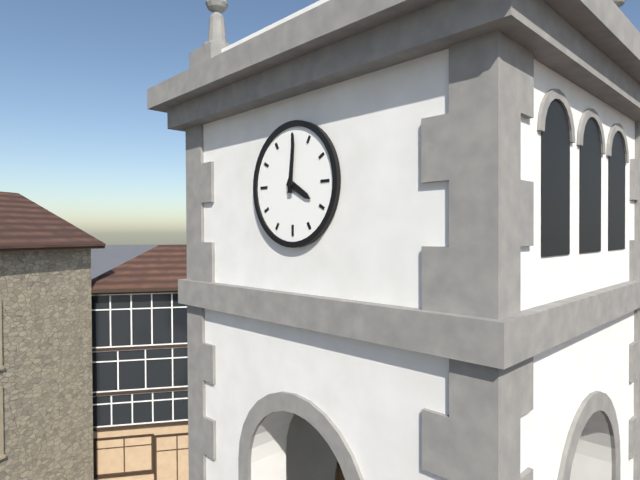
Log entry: {"hour": 4, "minute": 1}
